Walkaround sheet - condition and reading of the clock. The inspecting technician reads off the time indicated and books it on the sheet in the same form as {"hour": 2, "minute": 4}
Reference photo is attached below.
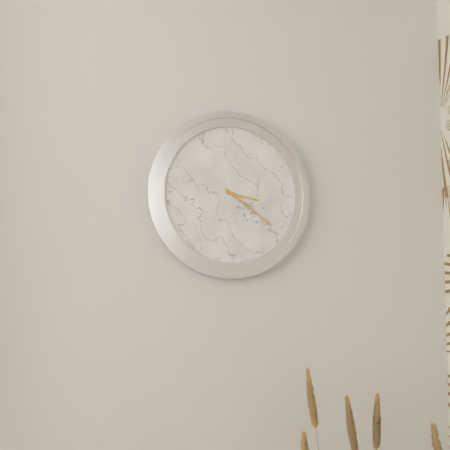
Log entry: {"hour": 3, "minute": 21}
